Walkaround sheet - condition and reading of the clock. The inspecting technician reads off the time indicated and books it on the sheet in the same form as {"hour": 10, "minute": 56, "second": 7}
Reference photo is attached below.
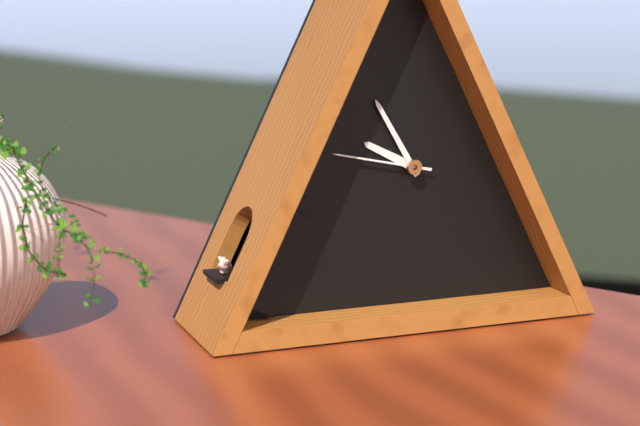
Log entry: {"hour": 9, "minute": 55, "second": 47}
